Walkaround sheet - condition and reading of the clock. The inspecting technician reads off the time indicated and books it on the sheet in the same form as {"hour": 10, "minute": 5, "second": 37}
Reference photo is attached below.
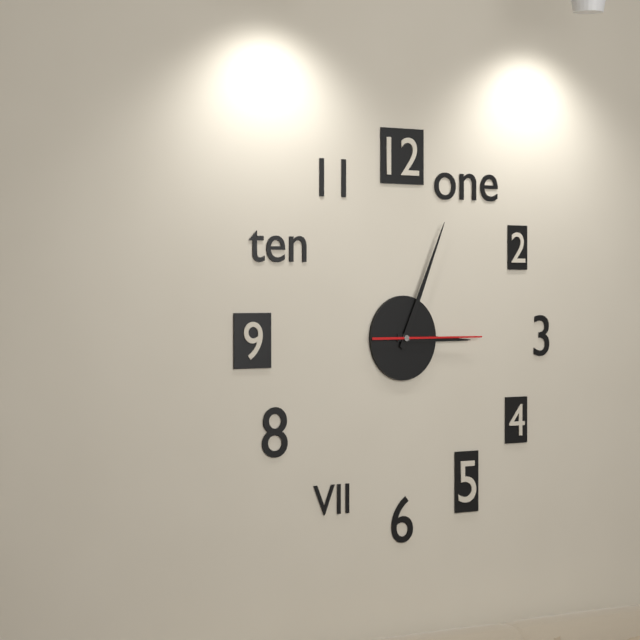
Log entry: {"hour": 3, "minute": 4, "second": 15}
